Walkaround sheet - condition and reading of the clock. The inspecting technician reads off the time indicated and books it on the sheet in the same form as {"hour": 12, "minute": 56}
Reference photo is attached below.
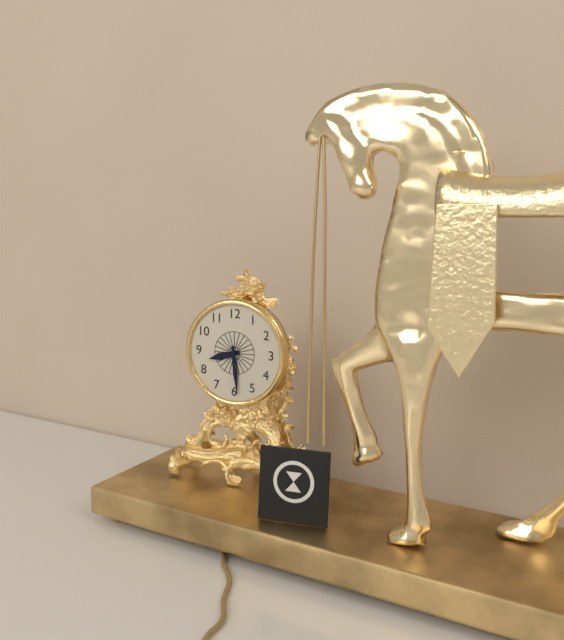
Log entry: {"hour": 8, "minute": 29}
